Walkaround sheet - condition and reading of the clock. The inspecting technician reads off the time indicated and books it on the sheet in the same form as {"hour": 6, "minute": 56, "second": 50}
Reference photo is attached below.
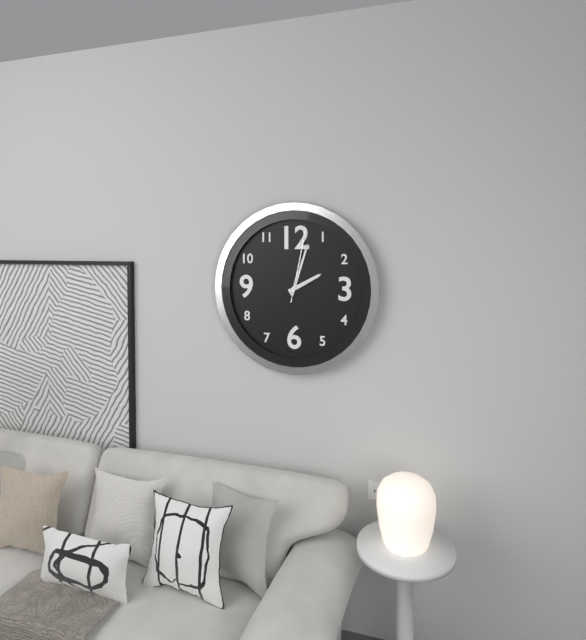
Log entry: {"hour": 2, "minute": 3, "second": 2}
